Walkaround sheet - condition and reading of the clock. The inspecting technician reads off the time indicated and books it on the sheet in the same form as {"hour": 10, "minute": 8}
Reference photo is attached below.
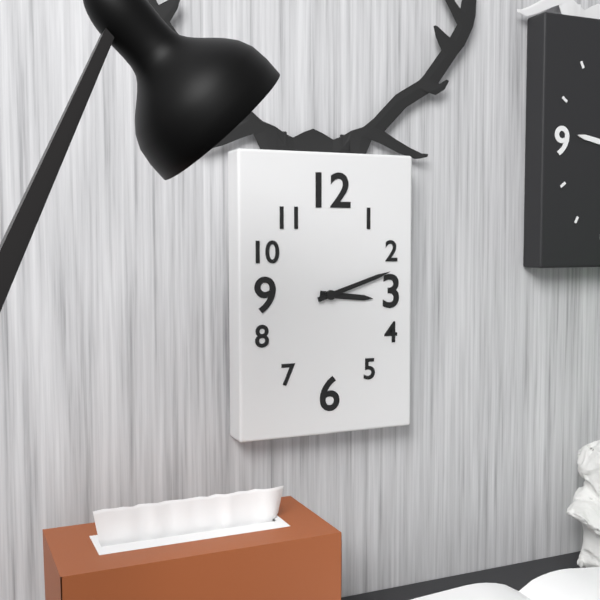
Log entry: {"hour": 3, "minute": 12}
